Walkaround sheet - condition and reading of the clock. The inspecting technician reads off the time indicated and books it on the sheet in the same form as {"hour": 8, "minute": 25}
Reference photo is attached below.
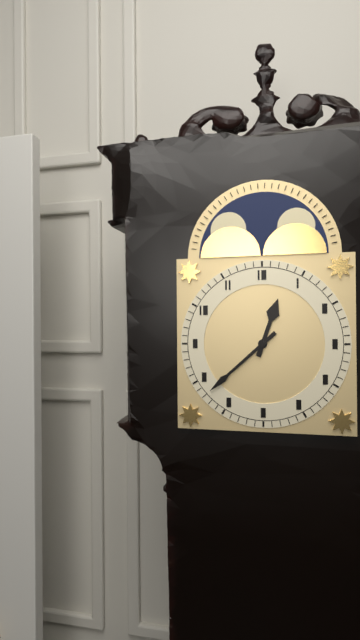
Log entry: {"hour": 12, "minute": 38}
